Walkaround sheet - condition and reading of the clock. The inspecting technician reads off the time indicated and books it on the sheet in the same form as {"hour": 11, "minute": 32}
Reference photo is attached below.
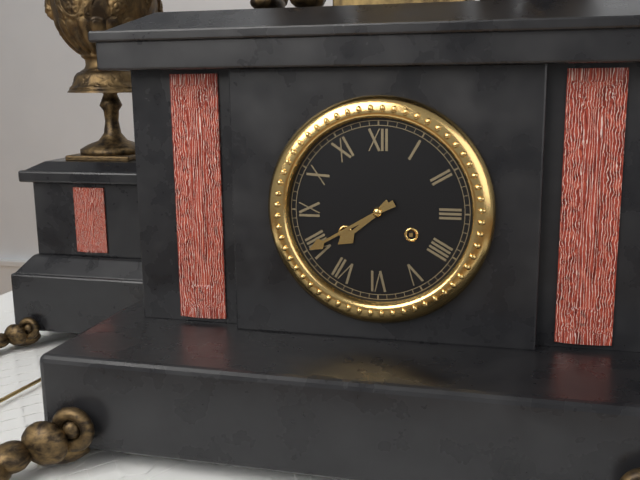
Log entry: {"hour": 7, "minute": 40}
